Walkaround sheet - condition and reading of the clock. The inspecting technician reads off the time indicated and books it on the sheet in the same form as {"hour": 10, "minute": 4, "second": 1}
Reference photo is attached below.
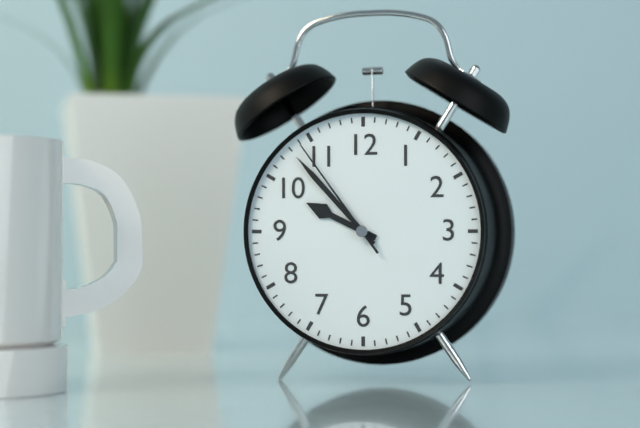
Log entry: {"hour": 9, "minute": 53, "second": 54}
